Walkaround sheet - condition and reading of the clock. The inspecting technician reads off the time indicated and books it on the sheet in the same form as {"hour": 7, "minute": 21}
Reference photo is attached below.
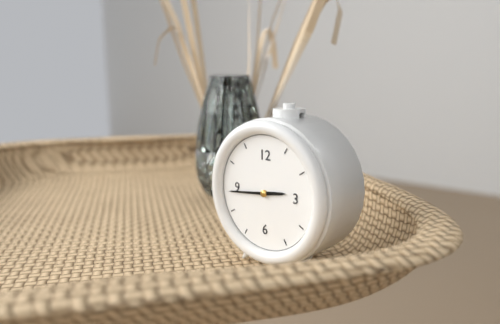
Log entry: {"hour": 2, "minute": 44}
